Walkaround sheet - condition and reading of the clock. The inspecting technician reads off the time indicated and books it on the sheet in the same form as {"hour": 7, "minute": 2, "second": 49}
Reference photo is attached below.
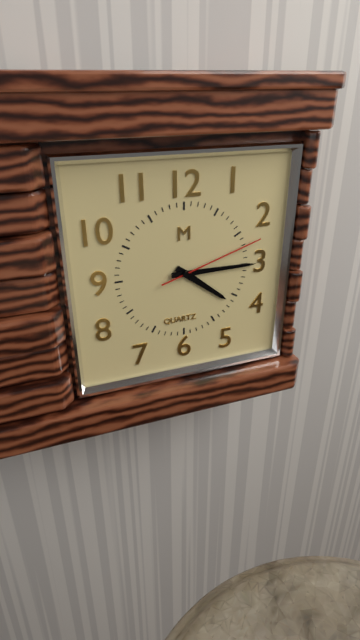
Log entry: {"hour": 4, "minute": 15, "second": 12}
